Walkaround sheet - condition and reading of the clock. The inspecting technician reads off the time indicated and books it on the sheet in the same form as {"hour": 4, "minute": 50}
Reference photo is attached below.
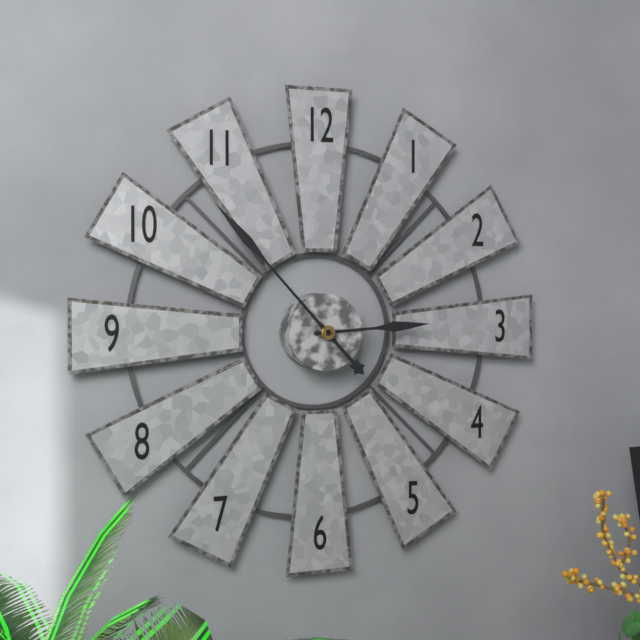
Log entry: {"hour": 2, "minute": 53}
